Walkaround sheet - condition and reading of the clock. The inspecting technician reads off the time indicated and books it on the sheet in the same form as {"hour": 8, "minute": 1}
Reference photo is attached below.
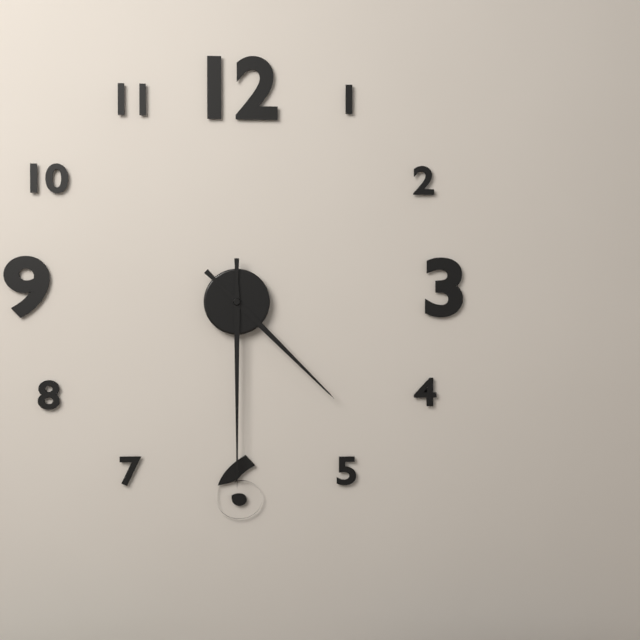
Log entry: {"hour": 4, "minute": 30}
